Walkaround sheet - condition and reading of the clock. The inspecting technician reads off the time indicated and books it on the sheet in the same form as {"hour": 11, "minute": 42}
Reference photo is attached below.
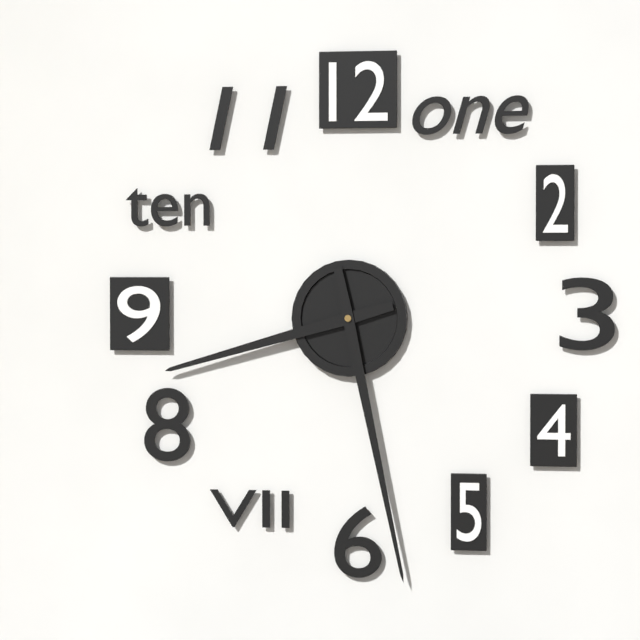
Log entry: {"hour": 8, "minute": 28}
